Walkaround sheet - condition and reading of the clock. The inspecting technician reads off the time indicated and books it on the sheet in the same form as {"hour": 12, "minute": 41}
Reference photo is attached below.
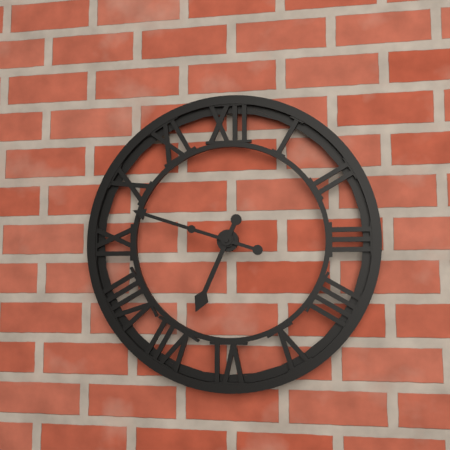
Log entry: {"hour": 6, "minute": 48}
